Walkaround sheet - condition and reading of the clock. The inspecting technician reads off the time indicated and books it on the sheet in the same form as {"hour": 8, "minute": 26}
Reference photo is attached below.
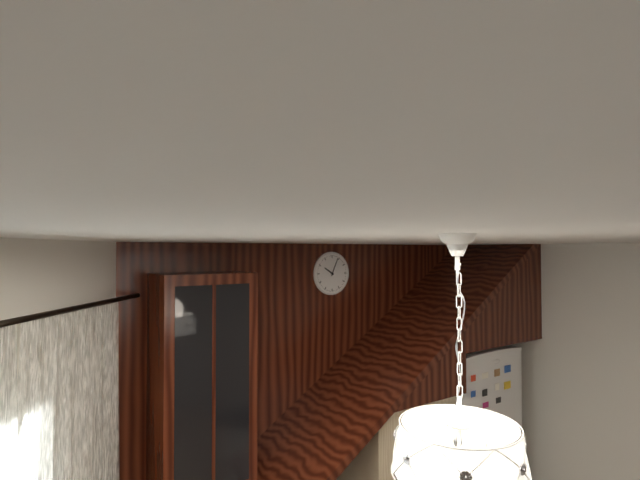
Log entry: {"hour": 10, "minute": 4}
